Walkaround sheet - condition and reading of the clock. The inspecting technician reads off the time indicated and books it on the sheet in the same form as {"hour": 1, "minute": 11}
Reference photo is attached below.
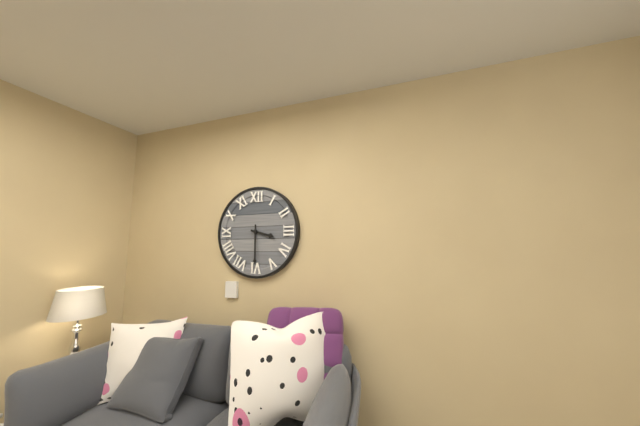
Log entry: {"hour": 3, "minute": 30}
